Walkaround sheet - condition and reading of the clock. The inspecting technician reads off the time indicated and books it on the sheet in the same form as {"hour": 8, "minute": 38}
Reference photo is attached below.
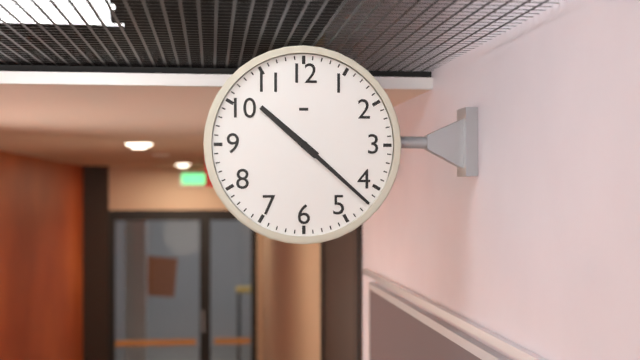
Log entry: {"hour": 10, "minute": 22}
